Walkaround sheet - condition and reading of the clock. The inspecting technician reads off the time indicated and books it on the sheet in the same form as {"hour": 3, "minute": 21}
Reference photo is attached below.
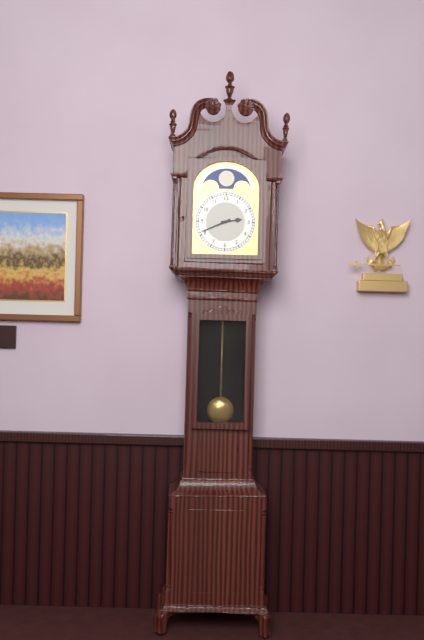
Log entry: {"hour": 2, "minute": 41}
